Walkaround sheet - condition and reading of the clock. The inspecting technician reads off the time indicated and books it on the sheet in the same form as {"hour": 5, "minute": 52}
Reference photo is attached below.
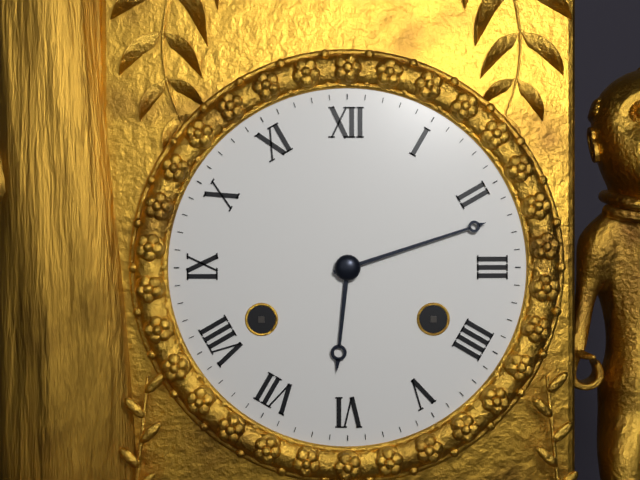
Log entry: {"hour": 6, "minute": 12}
